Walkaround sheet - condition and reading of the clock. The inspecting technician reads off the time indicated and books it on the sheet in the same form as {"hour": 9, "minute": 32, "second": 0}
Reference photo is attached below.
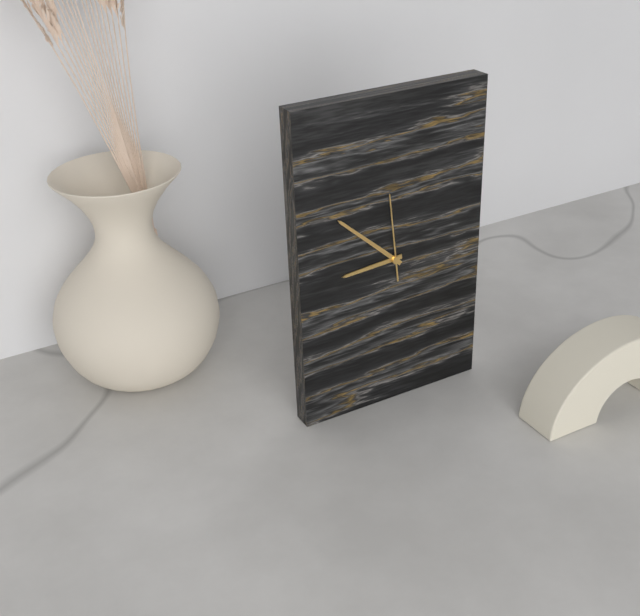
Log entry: {"hour": 8, "minute": 52, "second": 59}
